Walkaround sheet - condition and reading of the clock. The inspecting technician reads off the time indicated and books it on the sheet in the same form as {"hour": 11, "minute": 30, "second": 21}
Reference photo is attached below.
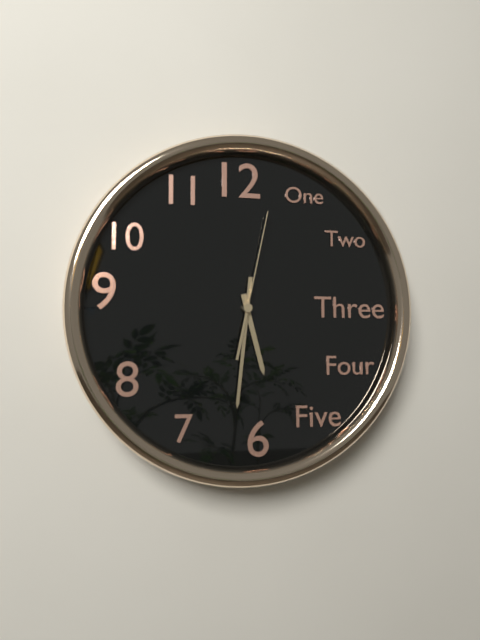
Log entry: {"hour": 5, "minute": 31, "second": 2}
